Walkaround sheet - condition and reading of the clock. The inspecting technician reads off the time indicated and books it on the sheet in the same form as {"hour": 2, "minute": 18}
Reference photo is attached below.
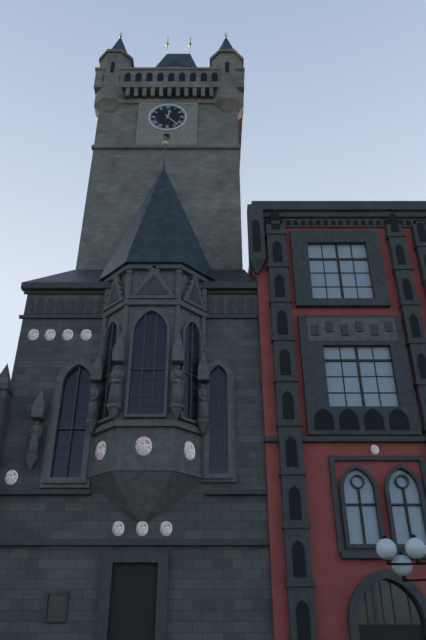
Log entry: {"hour": 12, "minute": 23}
